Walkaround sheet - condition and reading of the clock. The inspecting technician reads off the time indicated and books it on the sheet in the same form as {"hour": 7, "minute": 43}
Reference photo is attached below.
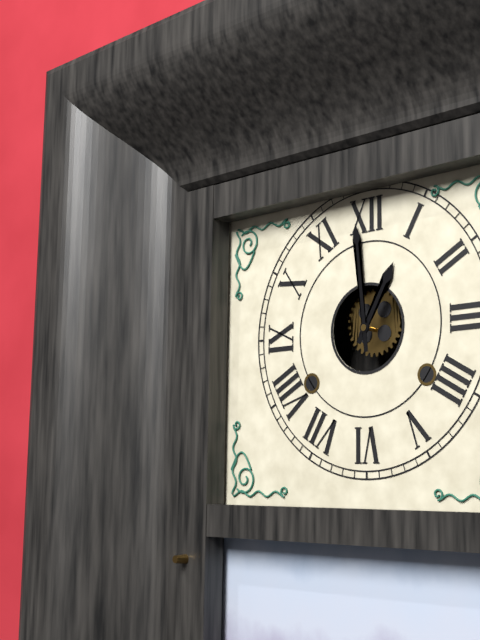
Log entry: {"hour": 12, "minute": 59}
